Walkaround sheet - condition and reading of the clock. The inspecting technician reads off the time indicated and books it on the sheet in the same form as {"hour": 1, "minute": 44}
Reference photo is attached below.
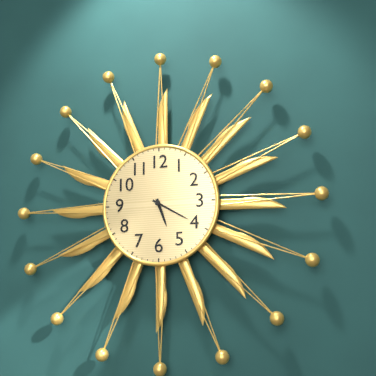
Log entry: {"hour": 5, "minute": 20}
